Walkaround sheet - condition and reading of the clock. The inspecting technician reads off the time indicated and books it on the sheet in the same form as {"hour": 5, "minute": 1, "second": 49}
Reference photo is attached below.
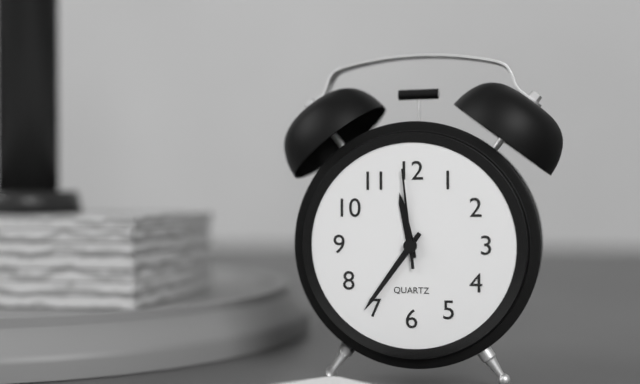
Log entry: {"hour": 11, "minute": 36, "second": 59}
